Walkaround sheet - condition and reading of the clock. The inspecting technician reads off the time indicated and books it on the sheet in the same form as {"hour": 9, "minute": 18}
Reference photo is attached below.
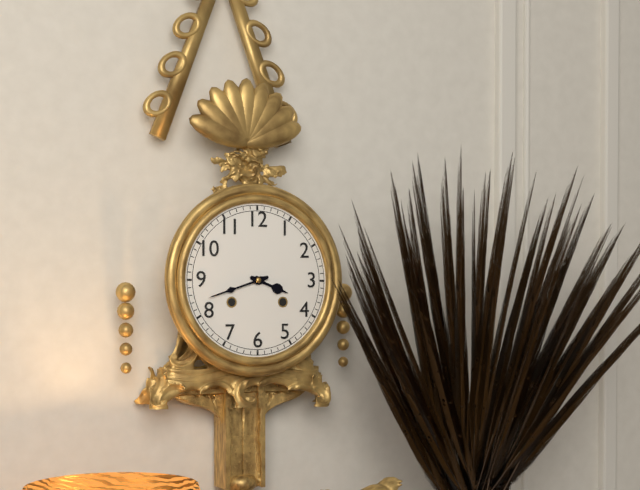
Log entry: {"hour": 3, "minute": 42}
